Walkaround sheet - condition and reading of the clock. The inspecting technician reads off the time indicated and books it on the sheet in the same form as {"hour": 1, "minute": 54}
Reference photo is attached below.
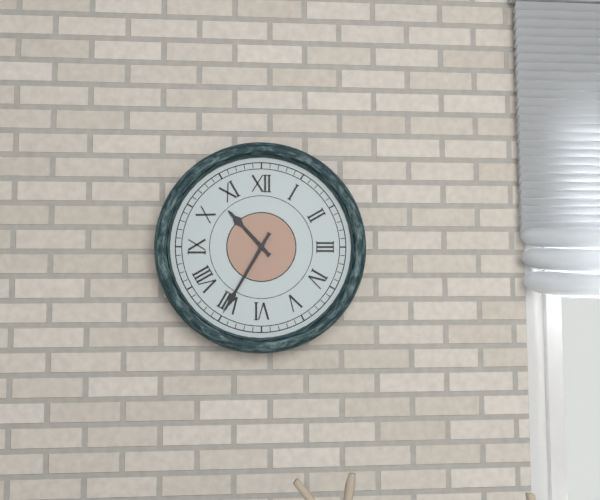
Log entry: {"hour": 10, "minute": 35}
